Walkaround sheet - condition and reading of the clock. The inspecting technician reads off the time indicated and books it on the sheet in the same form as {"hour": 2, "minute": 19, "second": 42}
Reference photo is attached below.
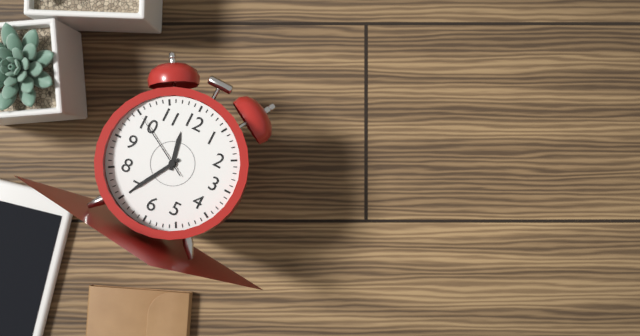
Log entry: {"hour": 11, "minute": 35, "second": 50}
